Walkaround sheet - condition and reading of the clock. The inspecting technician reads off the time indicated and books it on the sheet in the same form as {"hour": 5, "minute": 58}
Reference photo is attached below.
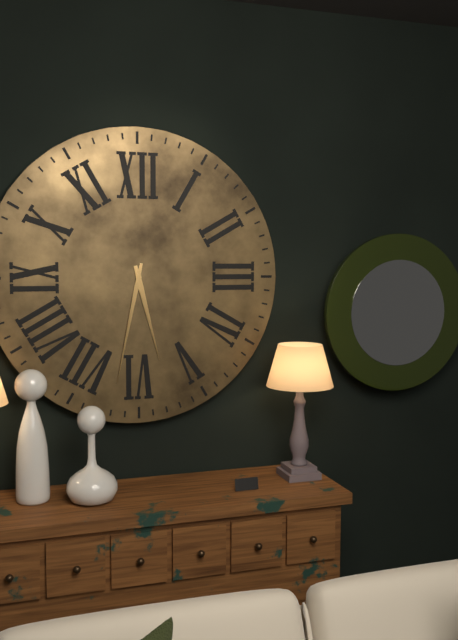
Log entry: {"hour": 5, "minute": 32}
